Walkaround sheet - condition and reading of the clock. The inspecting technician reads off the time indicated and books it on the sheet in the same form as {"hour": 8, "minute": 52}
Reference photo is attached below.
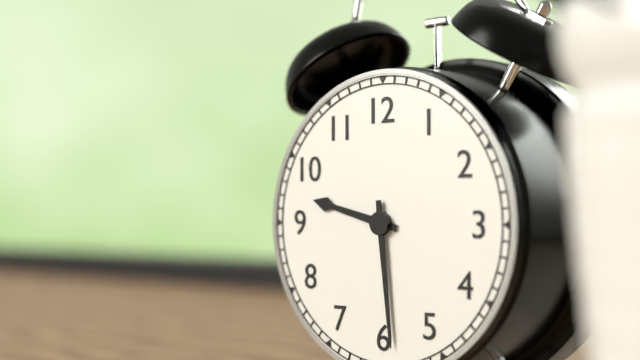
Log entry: {"hour": 9, "minute": 29}
